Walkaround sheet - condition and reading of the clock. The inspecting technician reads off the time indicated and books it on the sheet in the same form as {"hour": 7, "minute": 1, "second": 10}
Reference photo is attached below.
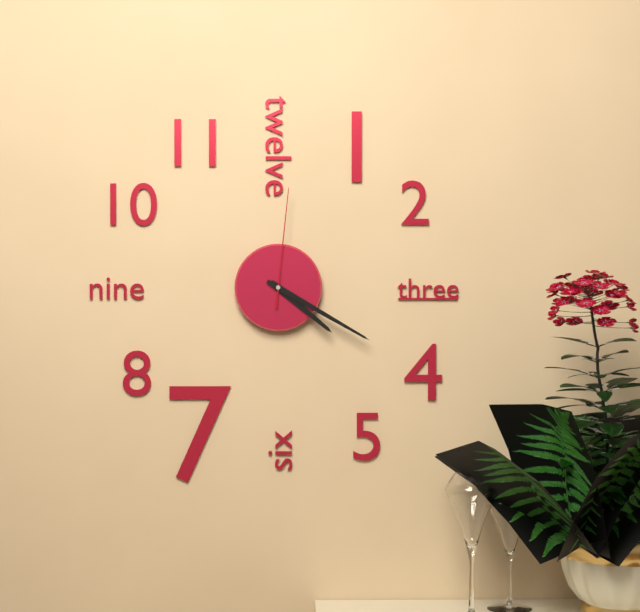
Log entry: {"hour": 4, "minute": 20, "second": 1}
